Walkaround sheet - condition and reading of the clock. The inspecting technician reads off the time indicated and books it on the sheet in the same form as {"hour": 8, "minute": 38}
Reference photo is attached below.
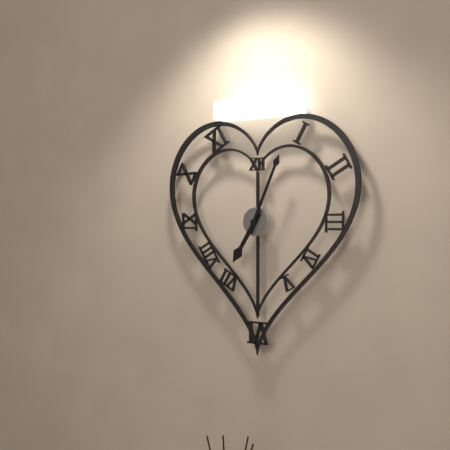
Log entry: {"hour": 7, "minute": 4}
